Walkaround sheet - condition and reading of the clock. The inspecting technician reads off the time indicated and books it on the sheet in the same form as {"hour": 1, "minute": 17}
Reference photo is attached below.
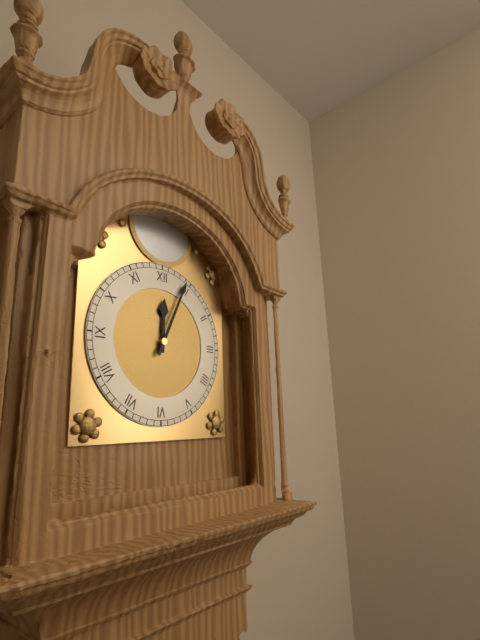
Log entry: {"hour": 12, "minute": 4}
